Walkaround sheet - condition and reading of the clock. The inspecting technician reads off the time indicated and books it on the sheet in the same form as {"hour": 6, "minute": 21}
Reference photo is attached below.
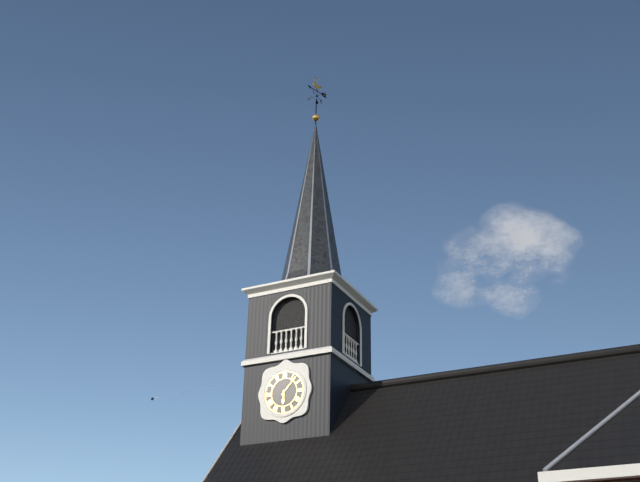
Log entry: {"hour": 6, "minute": 7}
